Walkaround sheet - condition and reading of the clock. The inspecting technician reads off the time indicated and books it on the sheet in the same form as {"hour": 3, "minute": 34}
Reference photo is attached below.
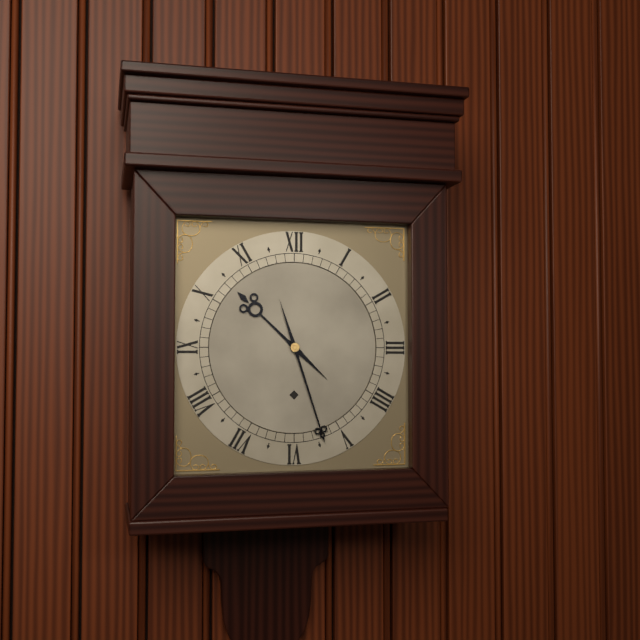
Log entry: {"hour": 10, "minute": 27}
